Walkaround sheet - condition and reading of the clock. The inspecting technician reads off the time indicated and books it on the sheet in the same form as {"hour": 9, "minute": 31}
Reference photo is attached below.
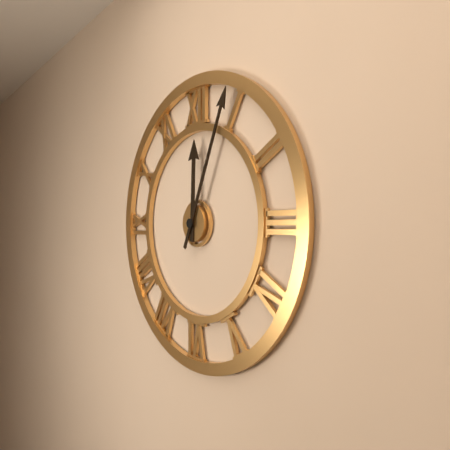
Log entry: {"hour": 12, "minute": 4}
